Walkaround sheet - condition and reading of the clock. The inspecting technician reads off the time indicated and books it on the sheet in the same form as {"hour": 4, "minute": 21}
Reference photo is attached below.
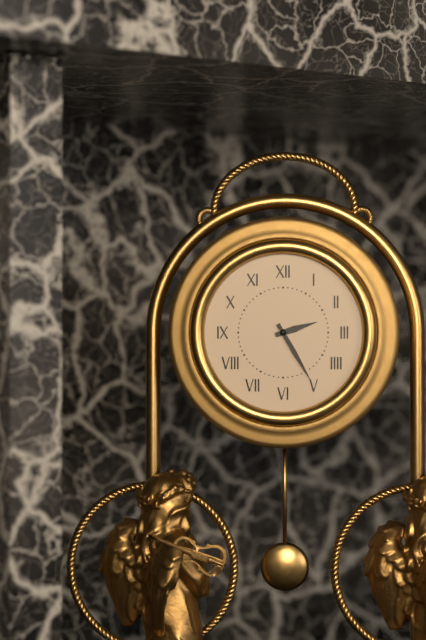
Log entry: {"hour": 2, "minute": 25}
